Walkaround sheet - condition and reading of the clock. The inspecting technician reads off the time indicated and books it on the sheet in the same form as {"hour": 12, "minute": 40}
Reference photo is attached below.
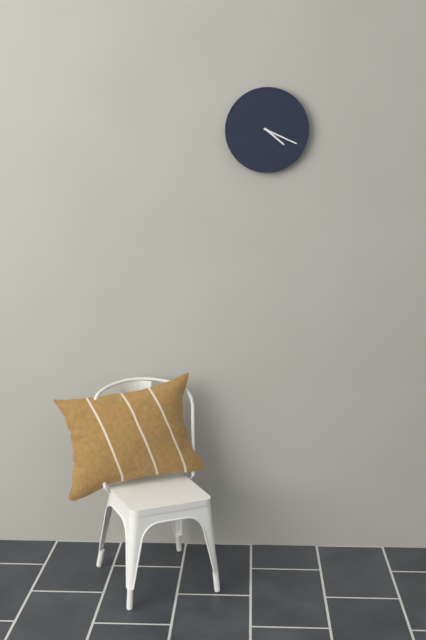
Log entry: {"hour": 4, "minute": 19}
